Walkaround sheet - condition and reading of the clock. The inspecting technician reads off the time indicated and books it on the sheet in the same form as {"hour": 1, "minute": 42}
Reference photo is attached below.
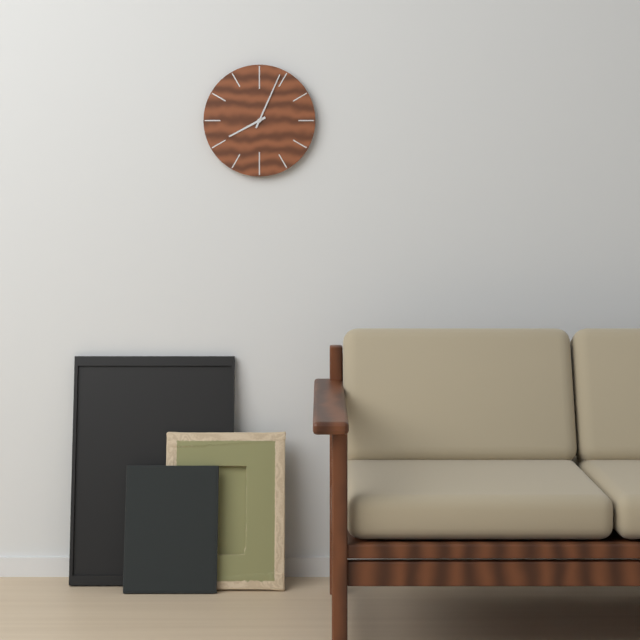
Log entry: {"hour": 8, "minute": 4}
